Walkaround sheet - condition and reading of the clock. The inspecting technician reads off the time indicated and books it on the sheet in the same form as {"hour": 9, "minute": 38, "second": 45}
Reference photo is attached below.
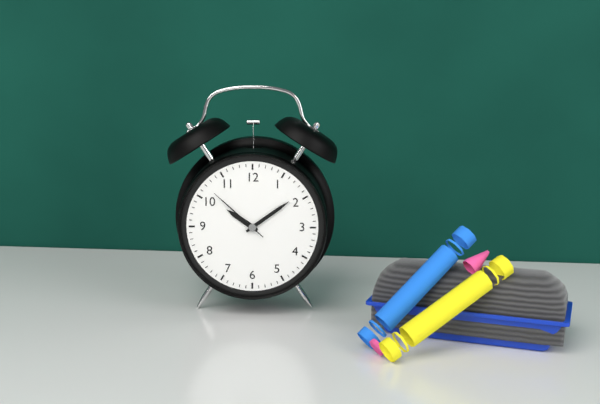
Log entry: {"hour": 10, "minute": 9, "second": 52}
